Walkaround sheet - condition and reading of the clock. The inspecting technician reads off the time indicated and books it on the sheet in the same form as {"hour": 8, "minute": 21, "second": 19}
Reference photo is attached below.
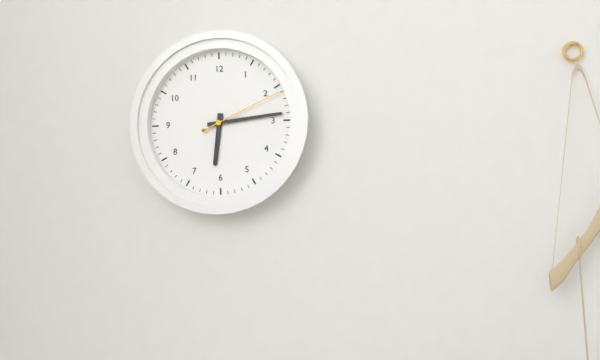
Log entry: {"hour": 6, "minute": 14, "second": 11}
